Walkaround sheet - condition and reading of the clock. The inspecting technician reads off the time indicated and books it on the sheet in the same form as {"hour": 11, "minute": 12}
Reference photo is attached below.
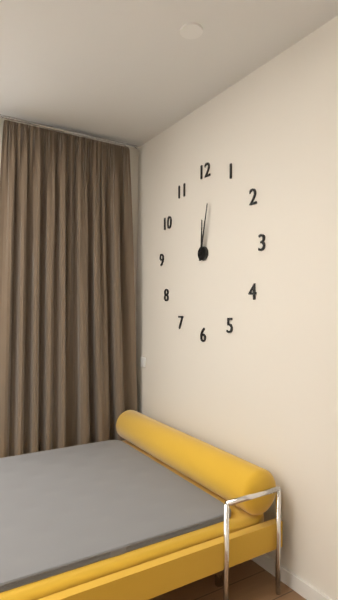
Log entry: {"hour": 12, "minute": 2}
